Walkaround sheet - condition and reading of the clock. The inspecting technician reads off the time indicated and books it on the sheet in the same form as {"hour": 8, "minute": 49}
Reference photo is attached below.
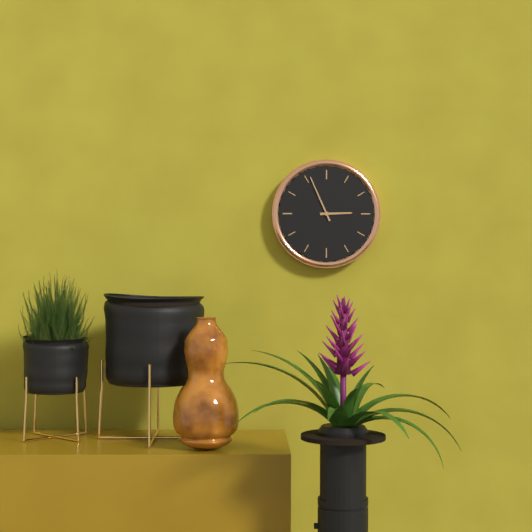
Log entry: {"hour": 2, "minute": 56}
